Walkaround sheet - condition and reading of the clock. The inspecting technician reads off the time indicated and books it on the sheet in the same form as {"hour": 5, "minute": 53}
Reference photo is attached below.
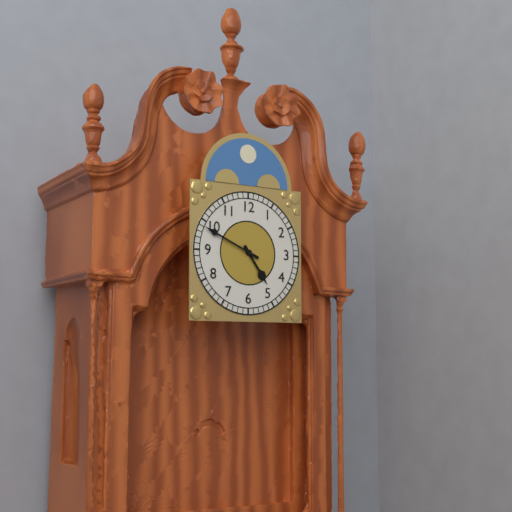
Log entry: {"hour": 4, "minute": 49}
